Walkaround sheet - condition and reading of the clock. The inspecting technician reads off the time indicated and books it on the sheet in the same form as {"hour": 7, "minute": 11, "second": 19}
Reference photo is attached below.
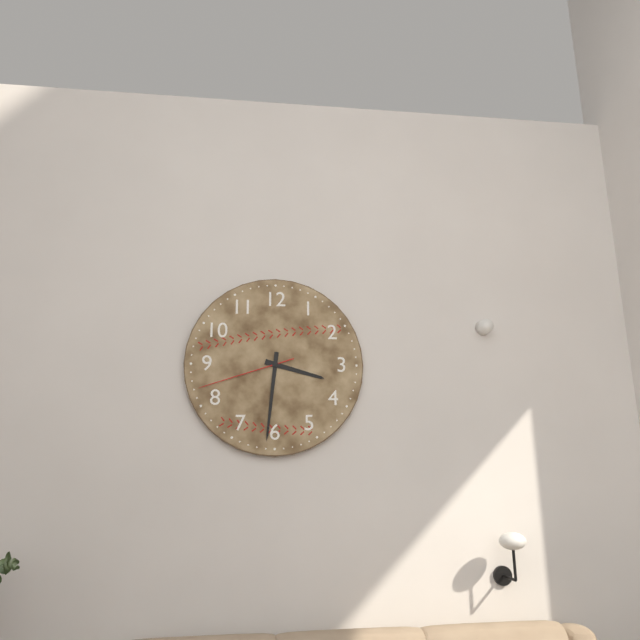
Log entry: {"hour": 3, "minute": 31, "second": 42}
